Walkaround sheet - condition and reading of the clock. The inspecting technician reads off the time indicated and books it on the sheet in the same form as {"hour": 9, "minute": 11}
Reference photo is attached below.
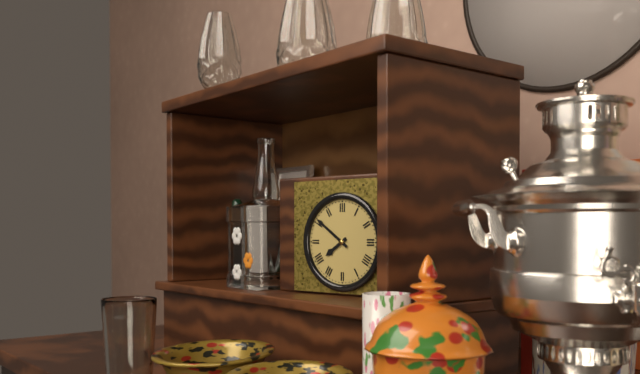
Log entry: {"hour": 7, "minute": 51}
